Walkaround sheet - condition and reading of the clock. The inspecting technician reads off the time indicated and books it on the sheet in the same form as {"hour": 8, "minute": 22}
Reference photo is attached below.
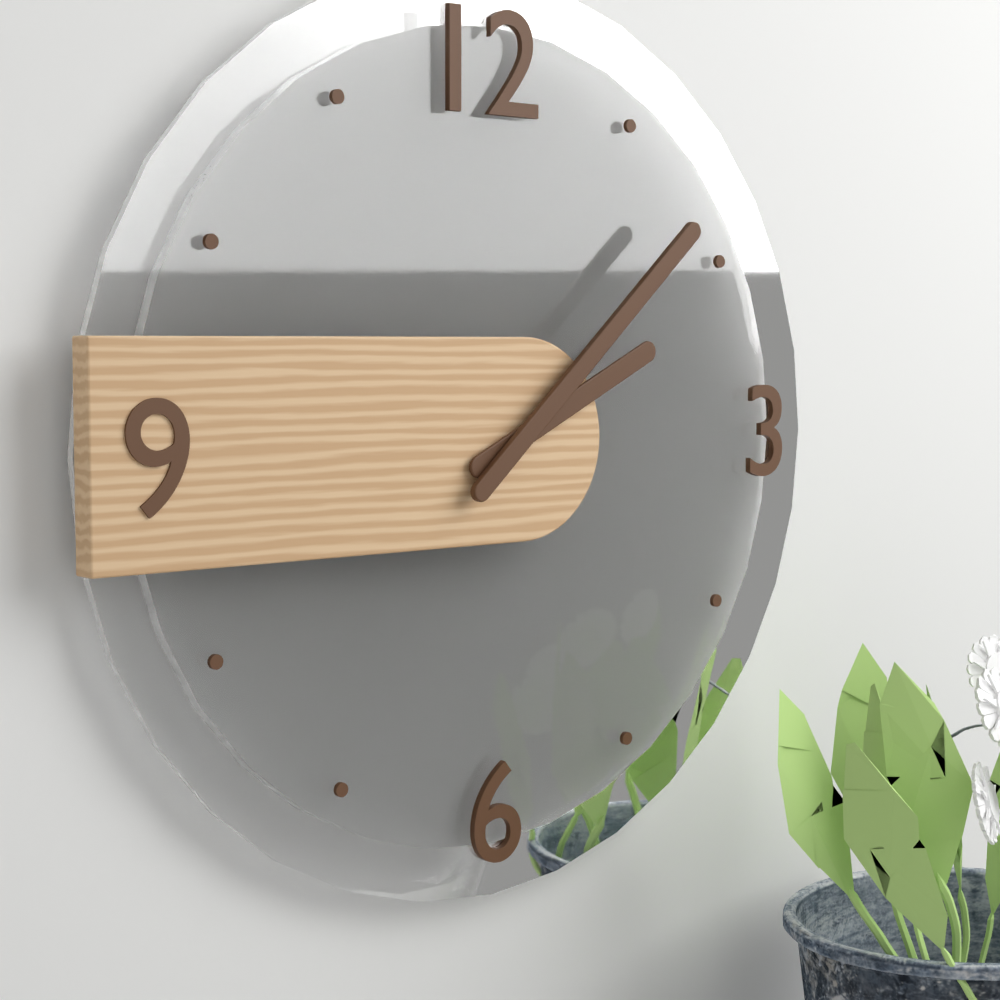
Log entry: {"hour": 2, "minute": 8}
